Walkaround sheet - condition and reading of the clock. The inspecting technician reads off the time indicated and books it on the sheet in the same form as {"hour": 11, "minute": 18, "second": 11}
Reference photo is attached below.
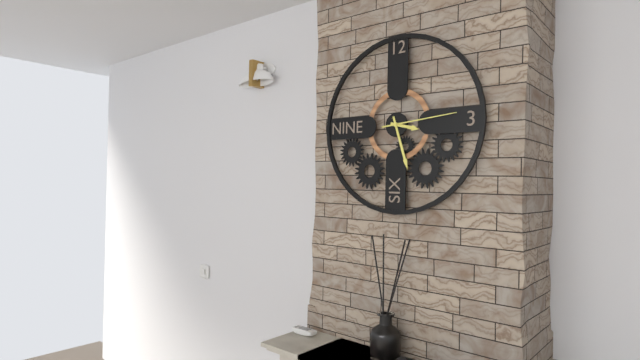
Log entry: {"hour": 3, "minute": 27, "second": 14}
